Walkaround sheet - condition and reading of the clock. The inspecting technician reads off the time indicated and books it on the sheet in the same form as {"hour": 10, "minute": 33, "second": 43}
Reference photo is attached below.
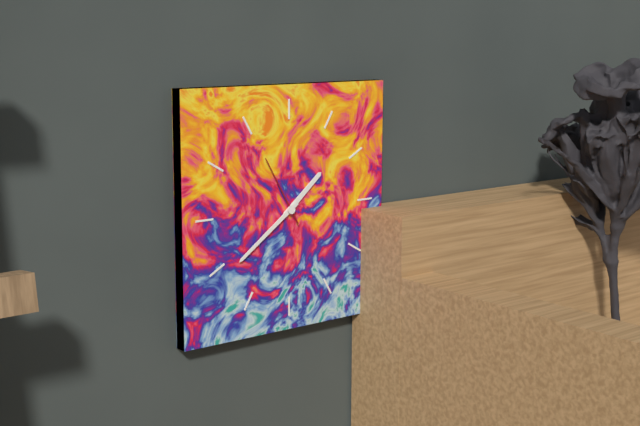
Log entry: {"hour": 1, "minute": 39, "second": 55}
